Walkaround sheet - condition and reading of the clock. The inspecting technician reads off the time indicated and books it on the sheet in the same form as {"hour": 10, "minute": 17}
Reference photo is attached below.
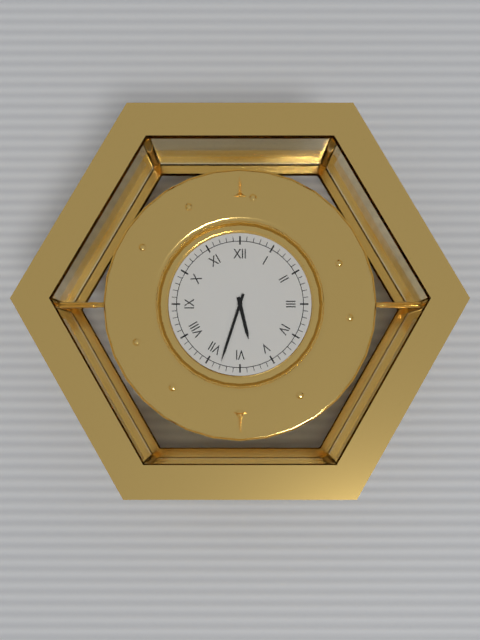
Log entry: {"hour": 5, "minute": 33}
